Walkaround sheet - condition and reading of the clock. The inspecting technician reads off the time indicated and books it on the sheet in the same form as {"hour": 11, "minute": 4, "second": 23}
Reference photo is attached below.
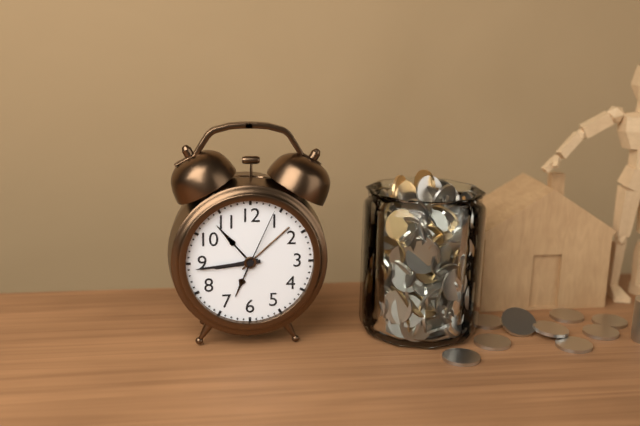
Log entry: {"hour": 8, "minute": 44, "second": 4}
